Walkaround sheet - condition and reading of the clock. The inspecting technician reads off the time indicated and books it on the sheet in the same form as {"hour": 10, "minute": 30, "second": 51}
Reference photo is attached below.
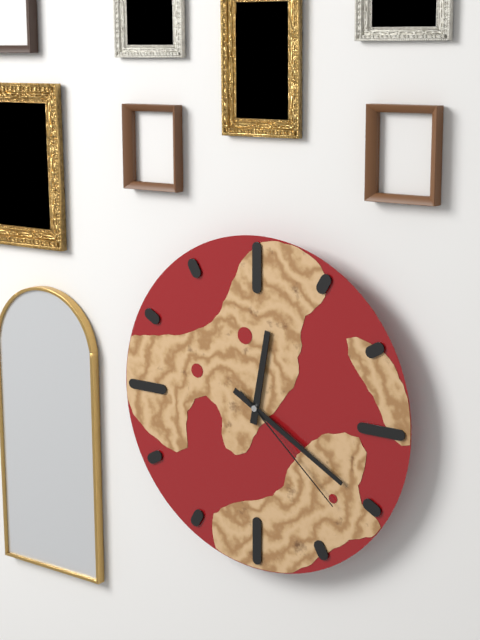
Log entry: {"hour": 12, "minute": 20, "second": 22}
